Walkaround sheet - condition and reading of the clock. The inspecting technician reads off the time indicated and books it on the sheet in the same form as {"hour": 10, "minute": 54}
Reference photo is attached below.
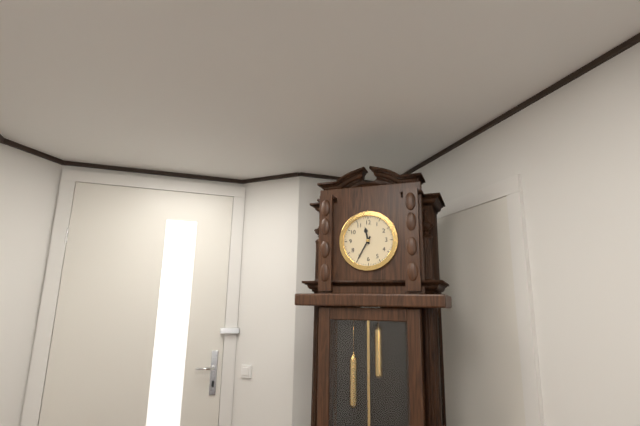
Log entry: {"hour": 11, "minute": 35}
